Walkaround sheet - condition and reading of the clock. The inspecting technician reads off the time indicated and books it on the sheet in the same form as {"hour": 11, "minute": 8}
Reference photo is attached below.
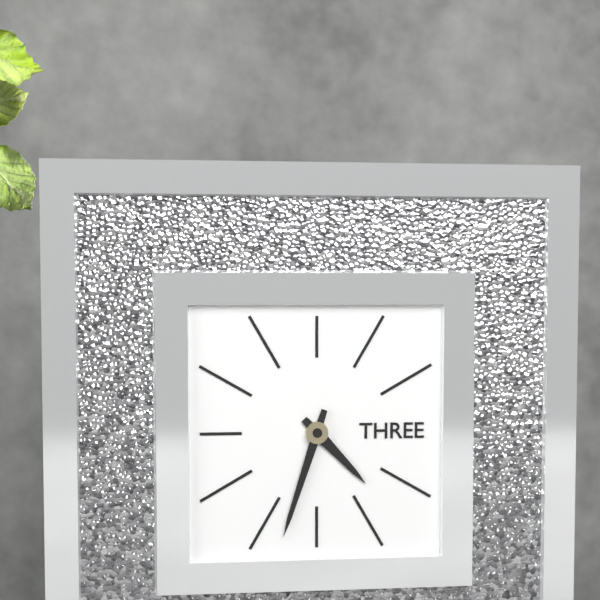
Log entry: {"hour": 4, "minute": 33}
